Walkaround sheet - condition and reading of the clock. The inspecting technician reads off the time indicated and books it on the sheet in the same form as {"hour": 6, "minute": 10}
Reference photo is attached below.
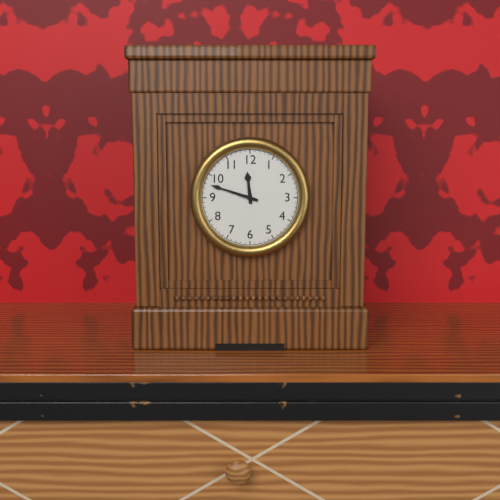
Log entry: {"hour": 11, "minute": 48}
